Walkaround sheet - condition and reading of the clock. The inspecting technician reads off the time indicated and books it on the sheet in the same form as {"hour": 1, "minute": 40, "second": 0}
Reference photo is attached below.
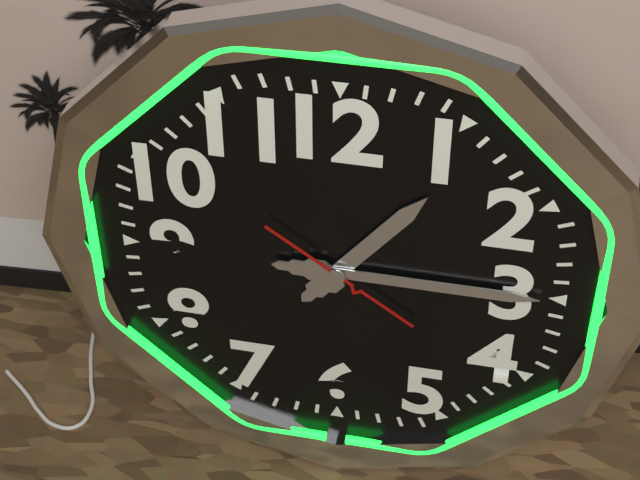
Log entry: {"hour": 1, "minute": 15, "second": 21}
